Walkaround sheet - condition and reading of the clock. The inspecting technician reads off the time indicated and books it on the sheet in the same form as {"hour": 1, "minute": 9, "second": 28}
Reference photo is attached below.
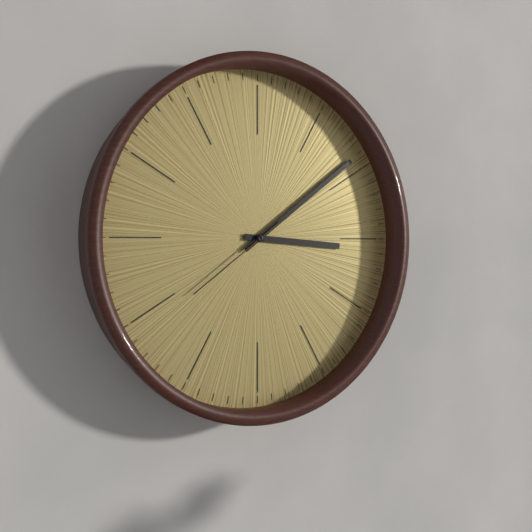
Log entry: {"hour": 3, "minute": 9, "second": 39}
